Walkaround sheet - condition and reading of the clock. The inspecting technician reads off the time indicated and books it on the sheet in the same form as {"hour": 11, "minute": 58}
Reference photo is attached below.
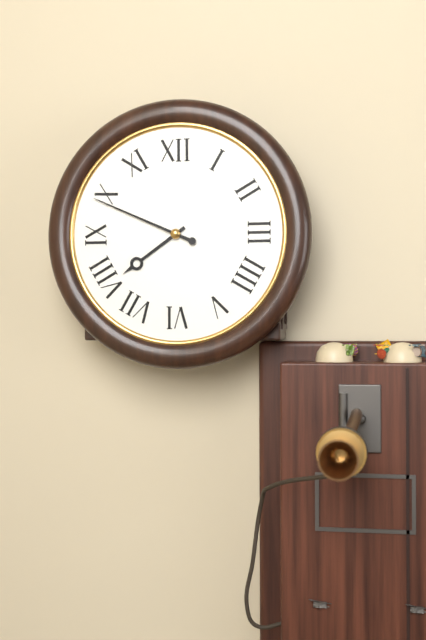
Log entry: {"hour": 7, "minute": 49}
